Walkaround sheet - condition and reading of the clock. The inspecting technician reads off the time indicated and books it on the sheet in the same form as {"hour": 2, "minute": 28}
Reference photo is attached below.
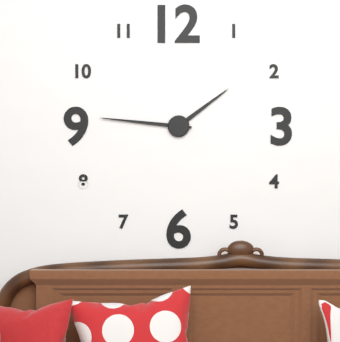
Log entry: {"hour": 1, "minute": 46}
